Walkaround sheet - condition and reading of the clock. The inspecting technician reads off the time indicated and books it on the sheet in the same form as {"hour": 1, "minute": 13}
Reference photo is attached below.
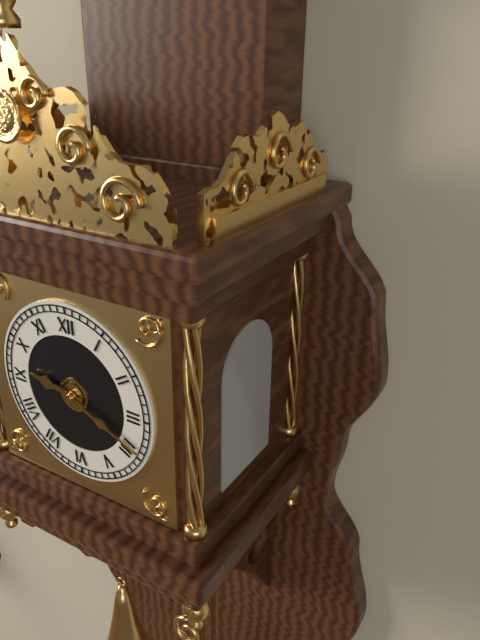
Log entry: {"hour": 9, "minute": 19}
